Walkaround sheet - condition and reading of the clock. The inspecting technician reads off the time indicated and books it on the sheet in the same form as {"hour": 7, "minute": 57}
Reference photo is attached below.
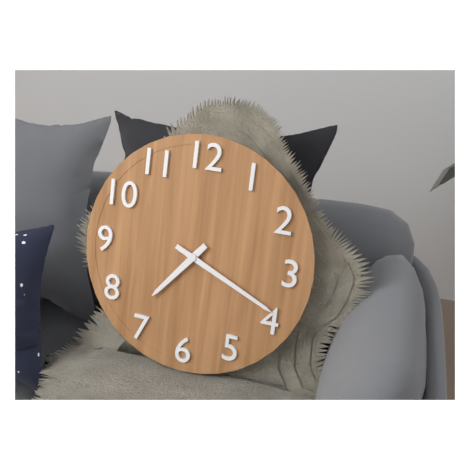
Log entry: {"hour": 7, "minute": 19}
